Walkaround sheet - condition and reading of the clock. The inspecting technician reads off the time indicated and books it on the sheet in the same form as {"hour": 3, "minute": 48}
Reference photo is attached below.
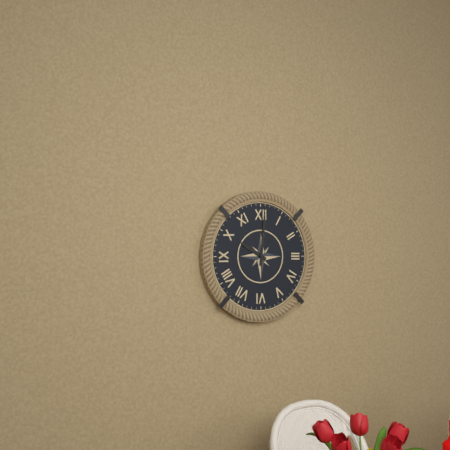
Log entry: {"hour": 10, "minute": 1}
